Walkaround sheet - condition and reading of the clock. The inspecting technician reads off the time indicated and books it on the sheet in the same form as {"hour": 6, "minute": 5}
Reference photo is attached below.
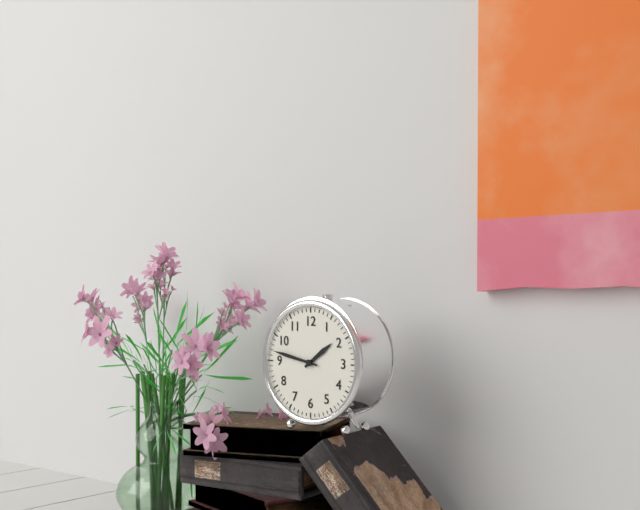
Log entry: {"hour": 1, "minute": 47}
